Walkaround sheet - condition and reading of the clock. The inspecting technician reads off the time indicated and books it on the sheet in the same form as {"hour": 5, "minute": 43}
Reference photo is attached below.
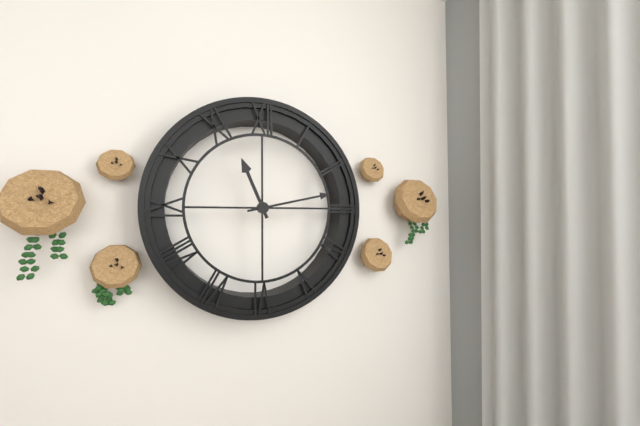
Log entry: {"hour": 11, "minute": 13}
